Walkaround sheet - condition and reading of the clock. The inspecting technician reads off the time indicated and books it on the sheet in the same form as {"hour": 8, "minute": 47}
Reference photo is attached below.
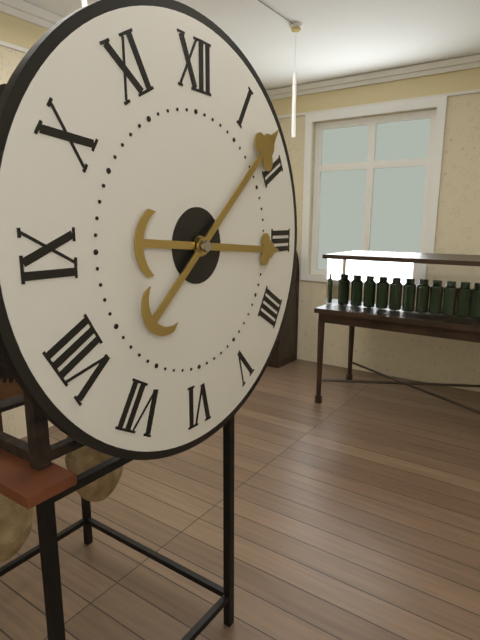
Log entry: {"hour": 3, "minute": 8}
